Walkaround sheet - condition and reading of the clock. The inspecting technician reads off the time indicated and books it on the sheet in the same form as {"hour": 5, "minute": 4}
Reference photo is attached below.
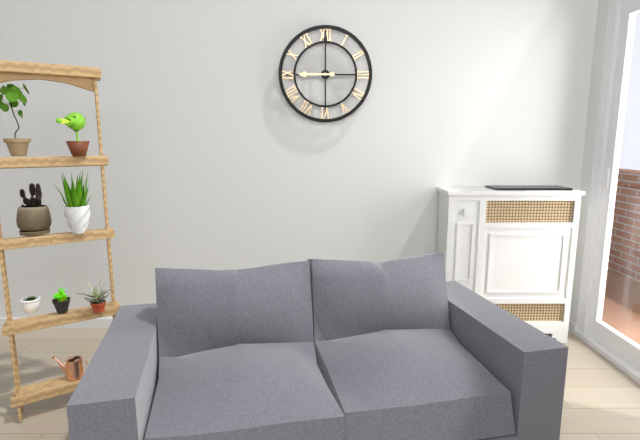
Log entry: {"hour": 9, "minute": 0}
